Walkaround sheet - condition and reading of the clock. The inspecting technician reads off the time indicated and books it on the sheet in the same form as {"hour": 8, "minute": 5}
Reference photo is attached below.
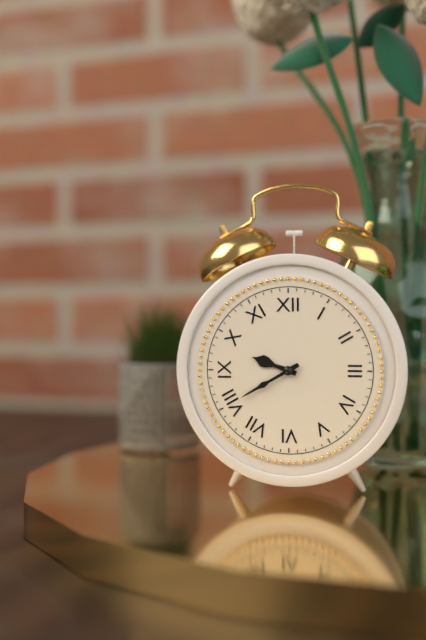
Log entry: {"hour": 9, "minute": 40}
